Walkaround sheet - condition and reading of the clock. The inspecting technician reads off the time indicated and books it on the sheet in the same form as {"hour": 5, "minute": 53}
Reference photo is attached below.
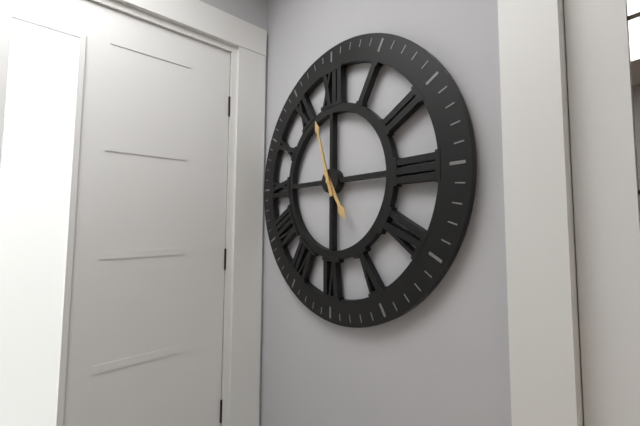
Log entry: {"hour": 4, "minute": 57}
